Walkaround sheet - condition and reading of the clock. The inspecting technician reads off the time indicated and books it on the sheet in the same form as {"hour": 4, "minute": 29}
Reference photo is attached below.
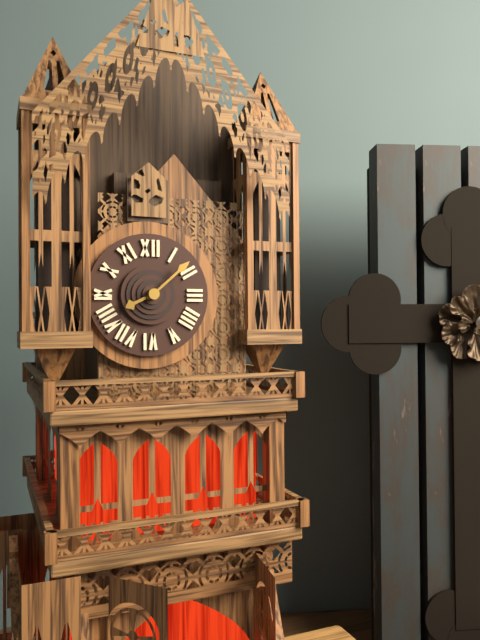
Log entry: {"hour": 8, "minute": 8}
